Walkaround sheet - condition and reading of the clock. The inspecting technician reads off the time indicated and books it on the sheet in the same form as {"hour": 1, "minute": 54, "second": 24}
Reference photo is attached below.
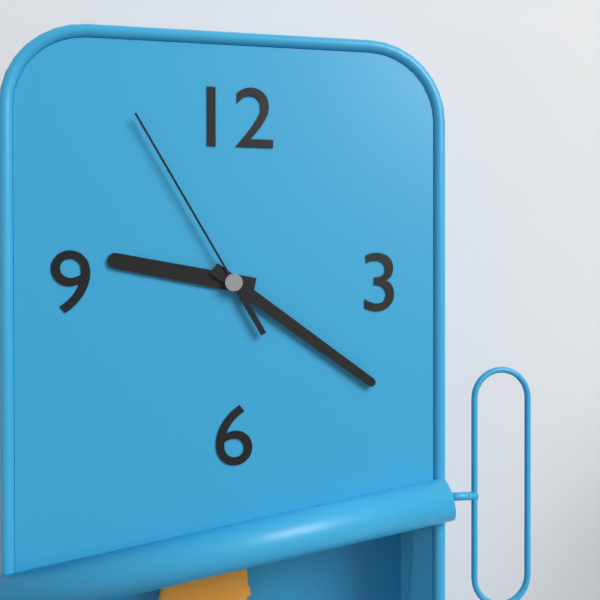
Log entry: {"hour": 9, "minute": 21, "second": 55}
